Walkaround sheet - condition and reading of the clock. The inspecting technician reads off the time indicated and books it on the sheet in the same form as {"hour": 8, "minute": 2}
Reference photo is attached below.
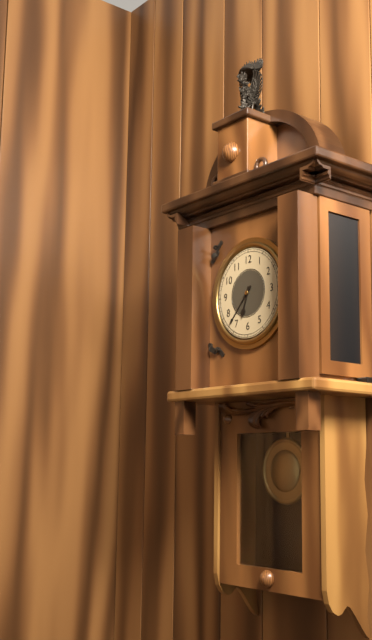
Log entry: {"hour": 6, "minute": 37}
